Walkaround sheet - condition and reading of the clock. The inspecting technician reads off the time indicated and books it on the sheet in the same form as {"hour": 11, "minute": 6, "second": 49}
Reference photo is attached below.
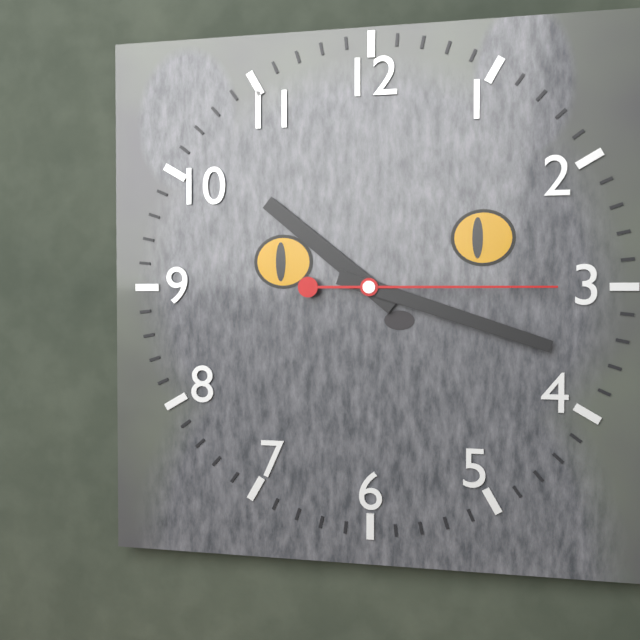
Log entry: {"hour": 10, "minute": 18, "second": 15}
